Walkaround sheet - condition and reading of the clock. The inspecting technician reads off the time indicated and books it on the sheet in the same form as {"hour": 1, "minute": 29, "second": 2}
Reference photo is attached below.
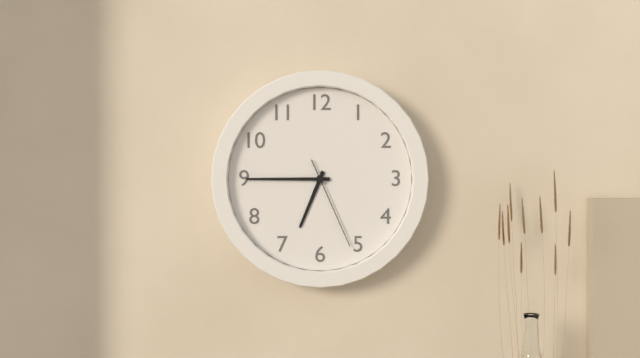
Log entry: {"hour": 6, "minute": 45, "second": 26}
